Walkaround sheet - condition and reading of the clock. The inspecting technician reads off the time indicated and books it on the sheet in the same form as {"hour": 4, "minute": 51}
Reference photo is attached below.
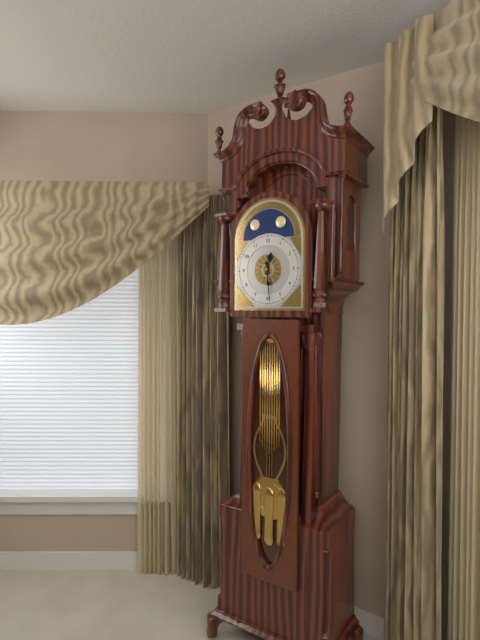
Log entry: {"hour": 12, "minute": 29}
